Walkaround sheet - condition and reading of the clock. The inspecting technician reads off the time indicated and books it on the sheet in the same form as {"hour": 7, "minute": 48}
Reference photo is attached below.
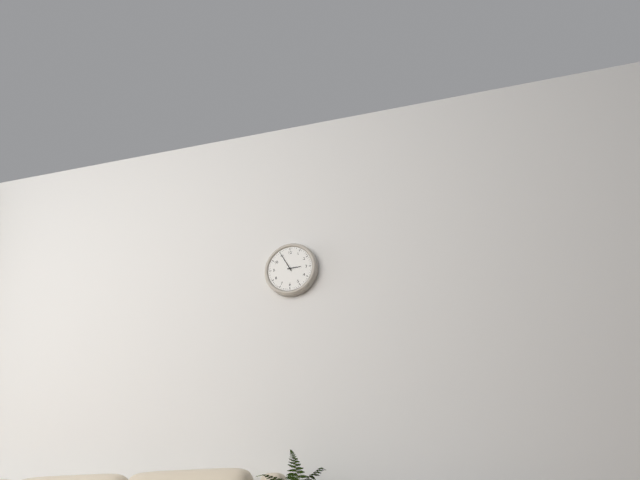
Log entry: {"hour": 2, "minute": 55}
